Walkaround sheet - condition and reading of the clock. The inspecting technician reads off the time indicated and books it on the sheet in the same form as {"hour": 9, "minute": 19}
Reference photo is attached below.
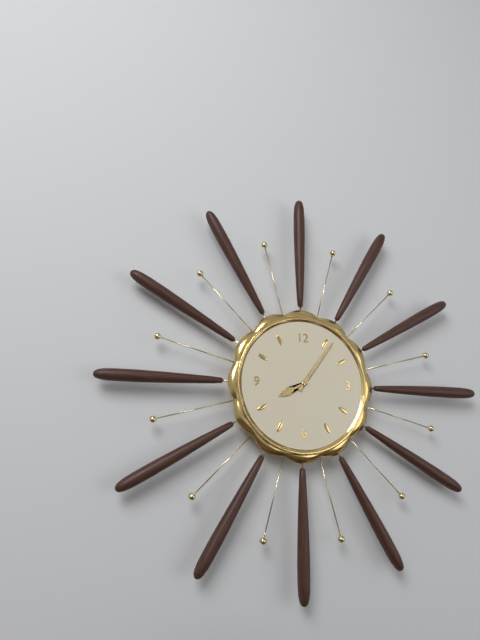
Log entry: {"hour": 8, "minute": 6}
